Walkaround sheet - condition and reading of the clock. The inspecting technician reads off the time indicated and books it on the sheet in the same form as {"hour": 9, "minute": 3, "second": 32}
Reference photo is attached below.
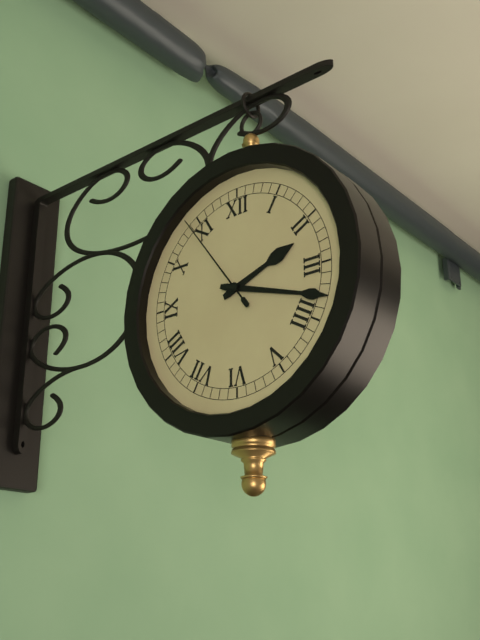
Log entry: {"hour": 2, "minute": 18, "second": 54}
